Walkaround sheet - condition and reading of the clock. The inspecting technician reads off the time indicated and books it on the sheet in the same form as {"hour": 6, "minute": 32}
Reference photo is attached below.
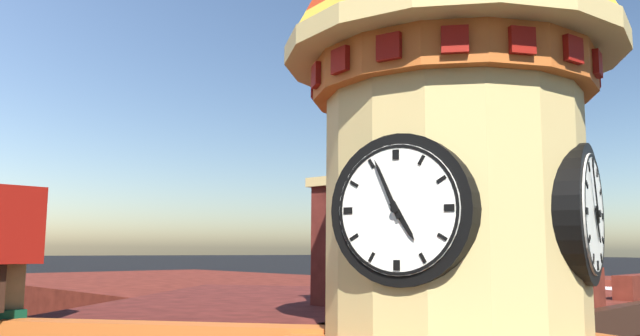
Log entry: {"hour": 4, "minute": 56}
